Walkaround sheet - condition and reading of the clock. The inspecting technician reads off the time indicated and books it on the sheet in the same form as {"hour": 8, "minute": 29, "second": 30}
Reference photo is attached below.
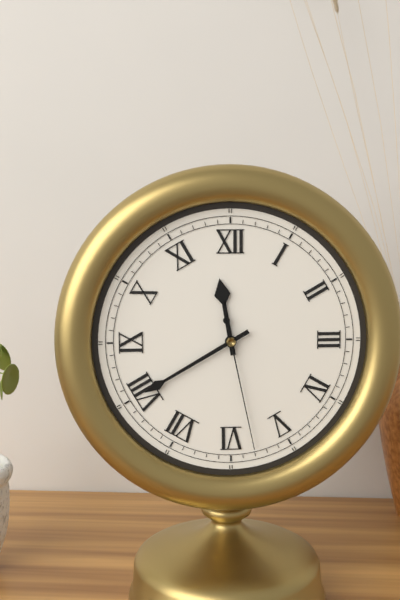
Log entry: {"hour": 11, "minute": 40, "second": 28}
